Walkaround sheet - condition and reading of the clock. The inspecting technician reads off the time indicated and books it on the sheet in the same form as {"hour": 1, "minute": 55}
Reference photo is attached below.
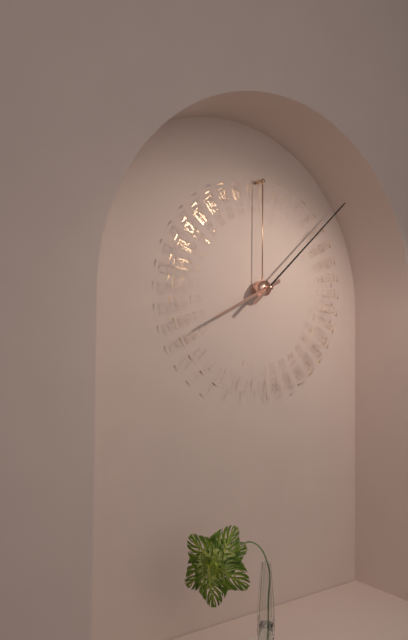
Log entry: {"hour": 8, "minute": 8}
